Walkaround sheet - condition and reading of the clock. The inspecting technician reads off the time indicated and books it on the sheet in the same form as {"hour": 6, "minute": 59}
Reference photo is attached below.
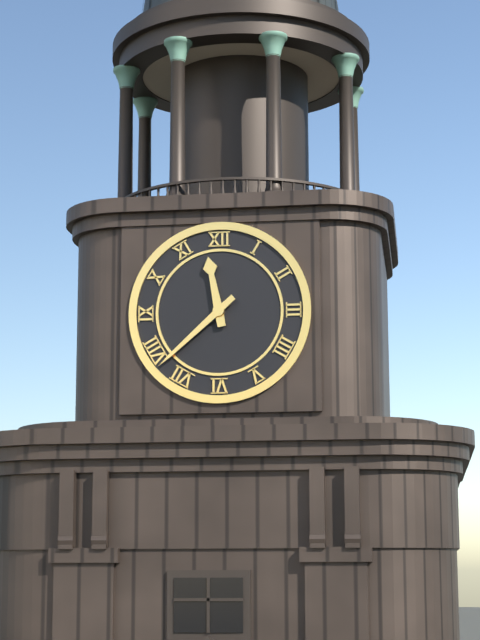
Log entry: {"hour": 11, "minute": 38}
